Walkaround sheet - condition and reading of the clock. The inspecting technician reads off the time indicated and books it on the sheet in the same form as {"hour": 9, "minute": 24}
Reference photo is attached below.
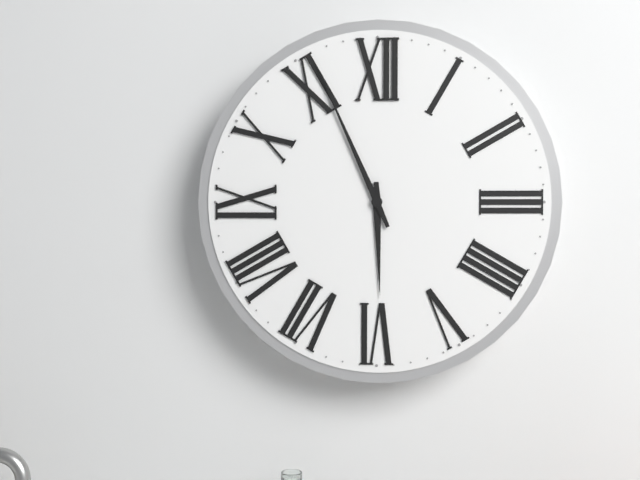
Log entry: {"hour": 5, "minute": 56}
